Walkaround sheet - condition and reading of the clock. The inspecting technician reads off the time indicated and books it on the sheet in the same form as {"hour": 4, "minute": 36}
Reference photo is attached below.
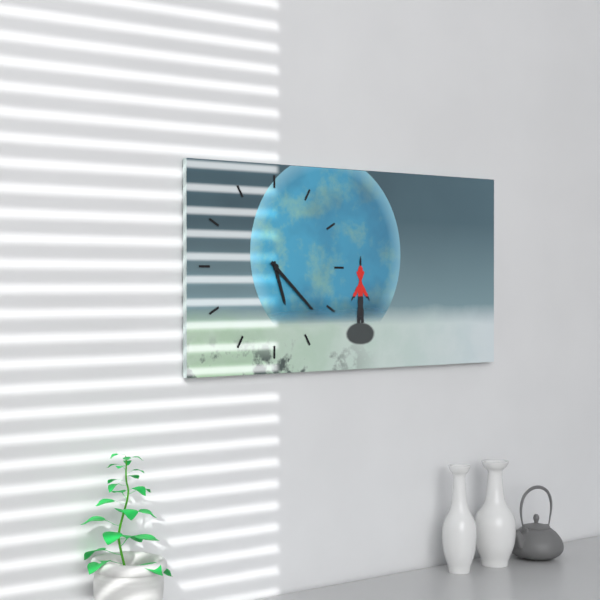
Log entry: {"hour": 5, "minute": 22}
